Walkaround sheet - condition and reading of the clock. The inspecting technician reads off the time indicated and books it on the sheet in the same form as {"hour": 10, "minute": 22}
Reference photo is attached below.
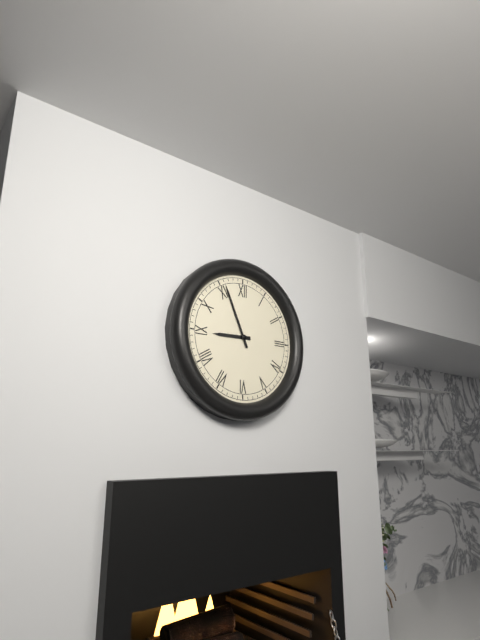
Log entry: {"hour": 8, "minute": 56}
